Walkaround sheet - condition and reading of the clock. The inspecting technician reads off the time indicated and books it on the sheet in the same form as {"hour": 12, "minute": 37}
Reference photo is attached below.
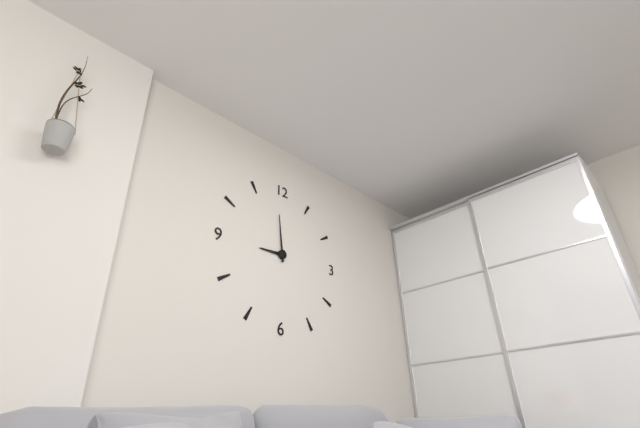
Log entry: {"hour": 8, "minute": 59}
